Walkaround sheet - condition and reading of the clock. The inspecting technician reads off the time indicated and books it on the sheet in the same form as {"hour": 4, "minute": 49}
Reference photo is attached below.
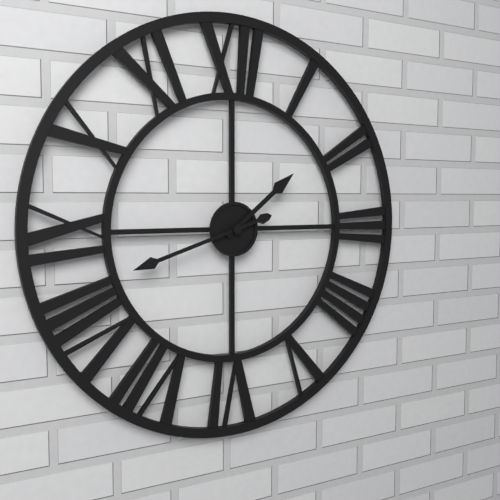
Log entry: {"hour": 1, "minute": 42}
